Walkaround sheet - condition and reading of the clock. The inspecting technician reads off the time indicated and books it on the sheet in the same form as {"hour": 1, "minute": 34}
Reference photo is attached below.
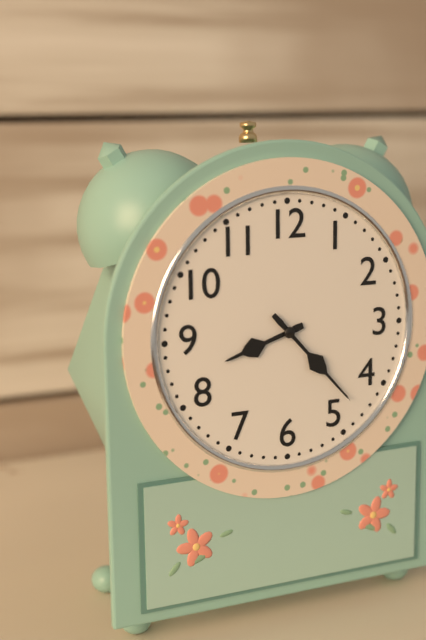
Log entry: {"hour": 8, "minute": 23}
